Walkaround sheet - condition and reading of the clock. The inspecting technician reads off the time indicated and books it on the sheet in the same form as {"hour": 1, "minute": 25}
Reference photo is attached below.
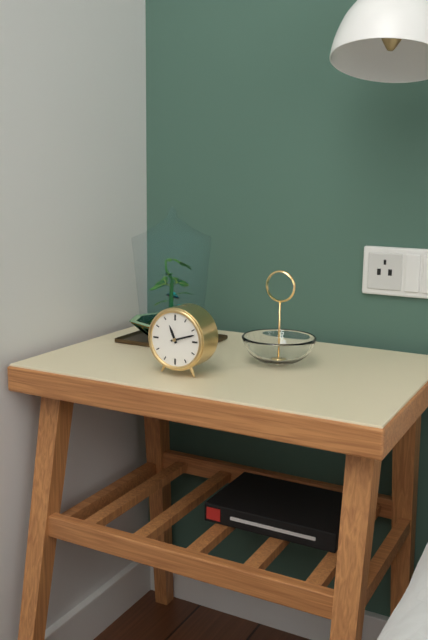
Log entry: {"hour": 11, "minute": 12}
